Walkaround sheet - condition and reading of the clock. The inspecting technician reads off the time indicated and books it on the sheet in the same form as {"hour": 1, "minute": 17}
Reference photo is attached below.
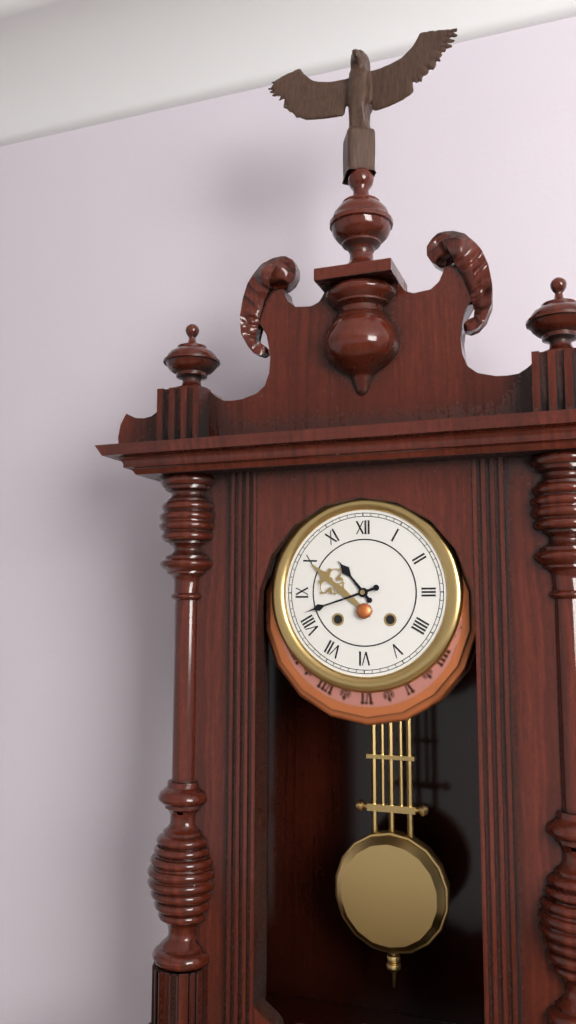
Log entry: {"hour": 10, "minute": 42}
